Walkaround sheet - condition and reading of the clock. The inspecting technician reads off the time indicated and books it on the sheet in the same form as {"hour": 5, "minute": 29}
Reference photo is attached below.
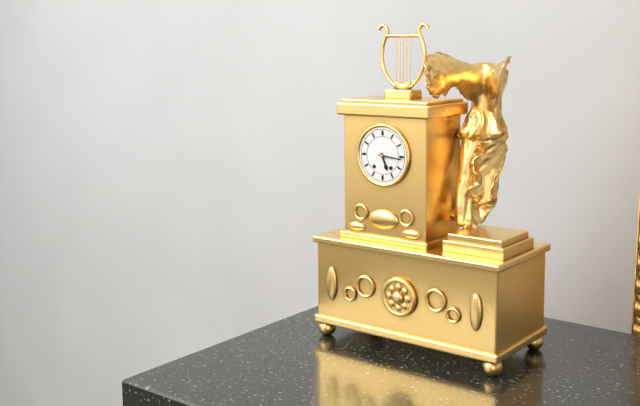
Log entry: {"hour": 5, "minute": 16}
